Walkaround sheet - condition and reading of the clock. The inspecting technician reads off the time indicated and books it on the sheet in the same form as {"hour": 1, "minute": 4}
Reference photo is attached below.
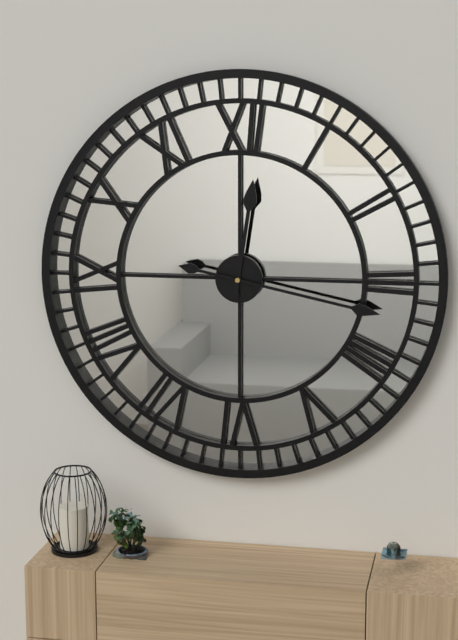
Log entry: {"hour": 12, "minute": 17}
